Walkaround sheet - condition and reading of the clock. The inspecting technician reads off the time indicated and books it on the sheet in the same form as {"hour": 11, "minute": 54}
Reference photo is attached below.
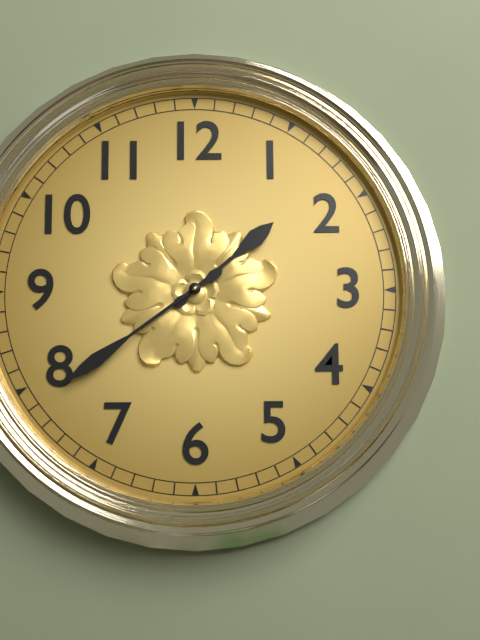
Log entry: {"hour": 1, "minute": 39}
